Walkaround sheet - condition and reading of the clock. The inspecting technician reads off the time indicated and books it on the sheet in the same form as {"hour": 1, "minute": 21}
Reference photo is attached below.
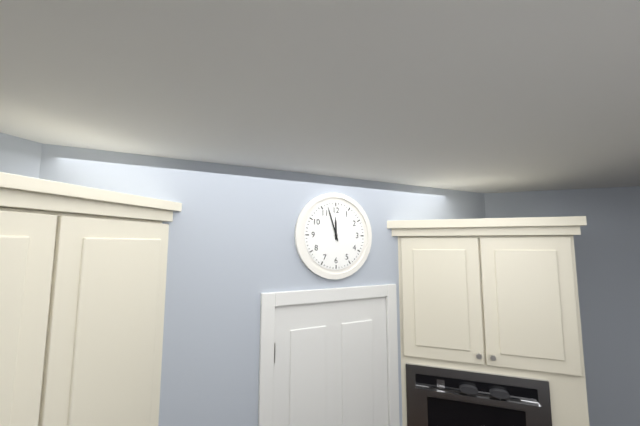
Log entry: {"hour": 11, "minute": 57}
